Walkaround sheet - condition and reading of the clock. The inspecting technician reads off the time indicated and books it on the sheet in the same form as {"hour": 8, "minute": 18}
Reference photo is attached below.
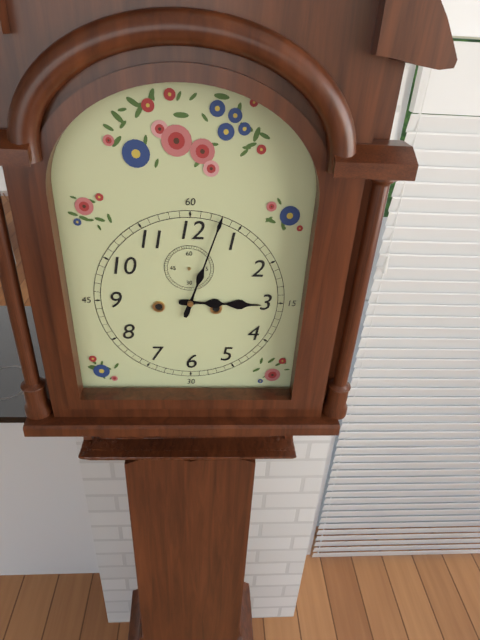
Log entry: {"hour": 3, "minute": 3}
